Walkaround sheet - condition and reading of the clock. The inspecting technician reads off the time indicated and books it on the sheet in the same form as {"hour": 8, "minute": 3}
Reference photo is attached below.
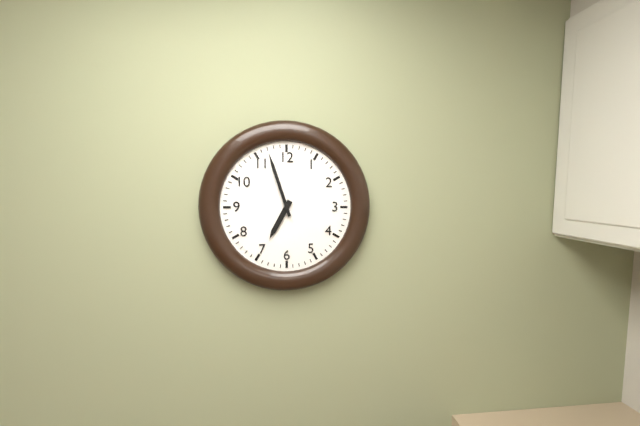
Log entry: {"hour": 6, "minute": 57}
